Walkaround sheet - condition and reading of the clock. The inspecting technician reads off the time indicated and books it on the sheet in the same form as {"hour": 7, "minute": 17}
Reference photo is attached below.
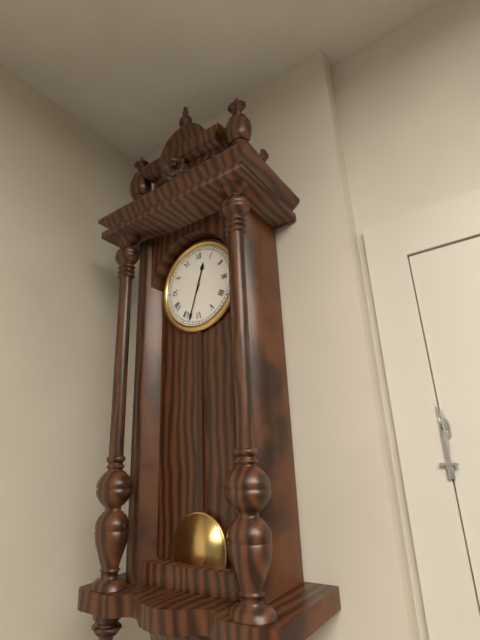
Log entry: {"hour": 12, "minute": 33}
